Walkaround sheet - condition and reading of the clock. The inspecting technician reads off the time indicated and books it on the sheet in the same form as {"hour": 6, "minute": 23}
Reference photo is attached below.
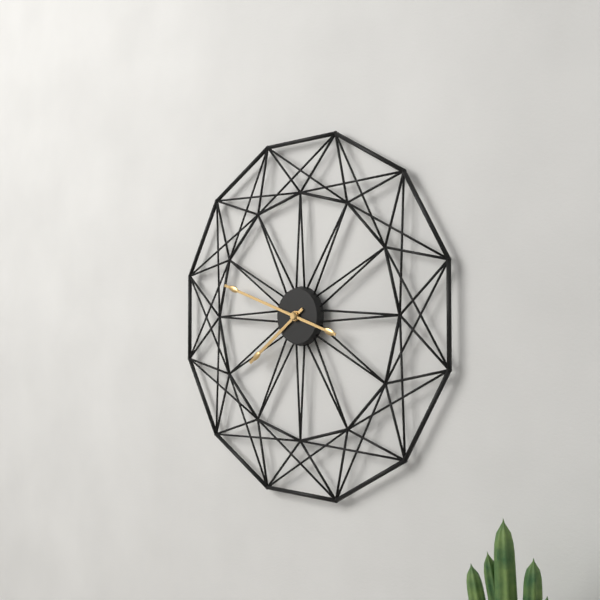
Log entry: {"hour": 7, "minute": 48}
